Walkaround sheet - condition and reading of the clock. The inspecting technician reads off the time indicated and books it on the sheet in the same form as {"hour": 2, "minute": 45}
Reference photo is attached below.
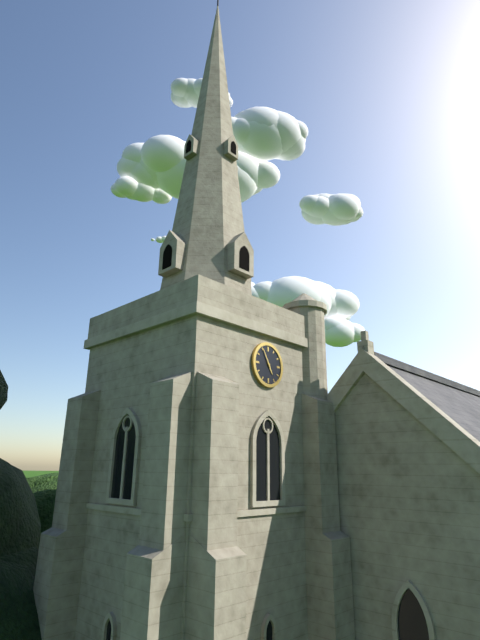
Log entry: {"hour": 4, "minute": 55}
